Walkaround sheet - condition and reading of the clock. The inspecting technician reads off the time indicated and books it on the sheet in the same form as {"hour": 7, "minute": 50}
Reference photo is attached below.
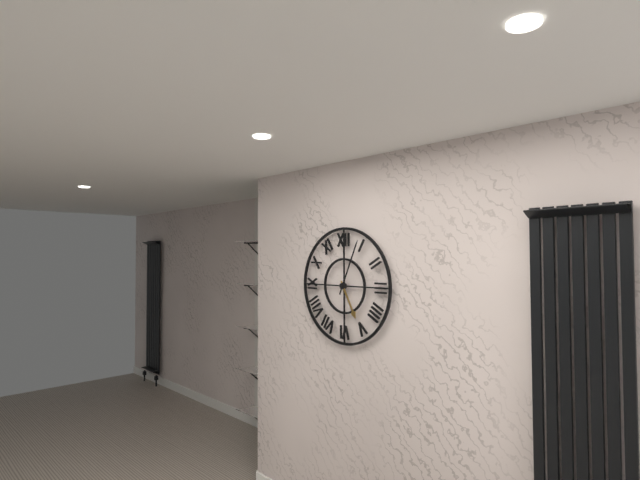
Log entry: {"hour": 5, "minute": 4}
